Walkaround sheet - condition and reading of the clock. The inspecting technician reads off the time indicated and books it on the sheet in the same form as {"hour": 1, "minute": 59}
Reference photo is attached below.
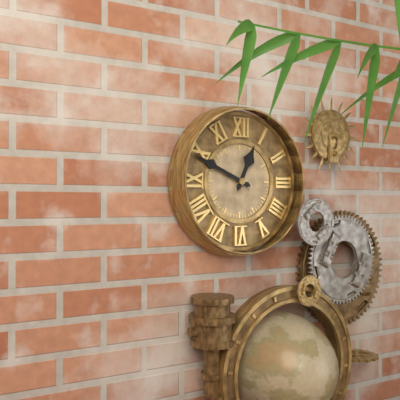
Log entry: {"hour": 12, "minute": 49}
